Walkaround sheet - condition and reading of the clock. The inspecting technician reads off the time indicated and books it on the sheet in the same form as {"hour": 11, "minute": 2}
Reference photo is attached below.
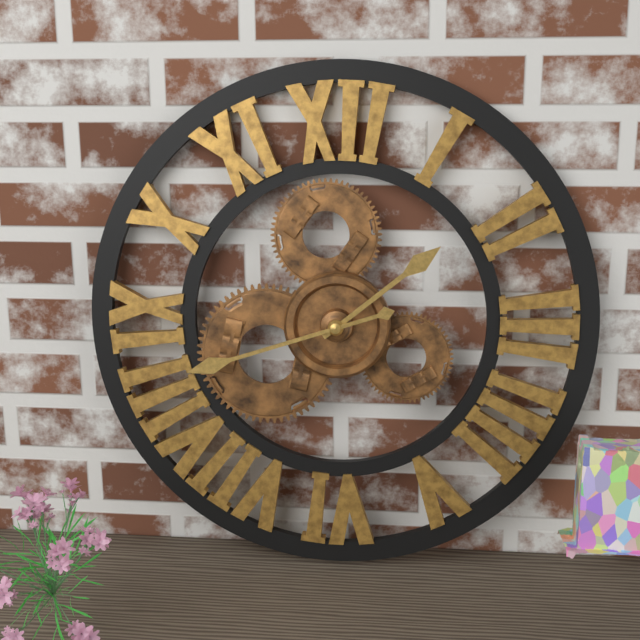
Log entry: {"hour": 1, "minute": 42}
